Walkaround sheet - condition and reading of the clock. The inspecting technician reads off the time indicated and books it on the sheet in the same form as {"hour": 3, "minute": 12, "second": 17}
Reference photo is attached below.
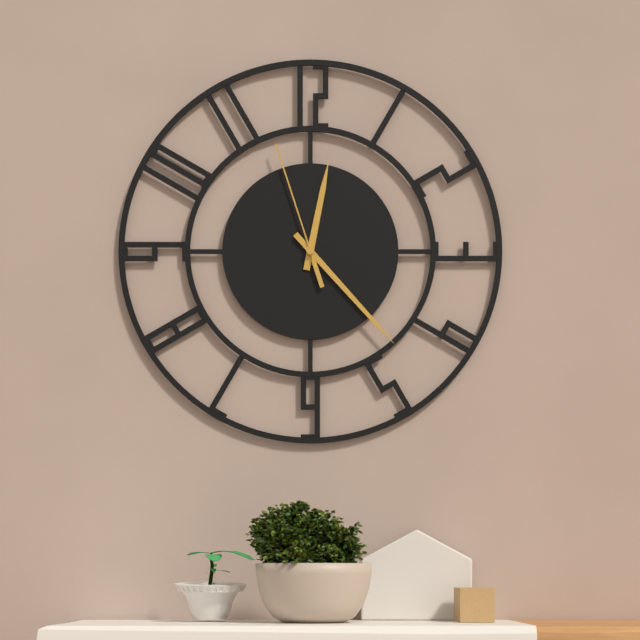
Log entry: {"hour": 12, "minute": 23, "second": 57}
